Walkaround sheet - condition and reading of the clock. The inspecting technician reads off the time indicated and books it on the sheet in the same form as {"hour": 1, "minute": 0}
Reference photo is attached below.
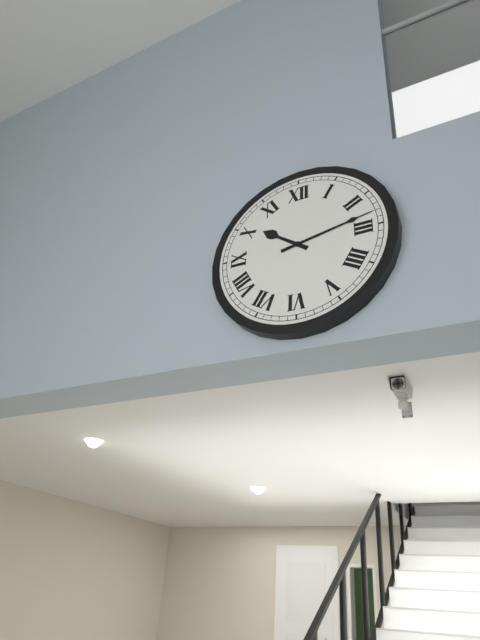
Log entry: {"hour": 10, "minute": 13}
